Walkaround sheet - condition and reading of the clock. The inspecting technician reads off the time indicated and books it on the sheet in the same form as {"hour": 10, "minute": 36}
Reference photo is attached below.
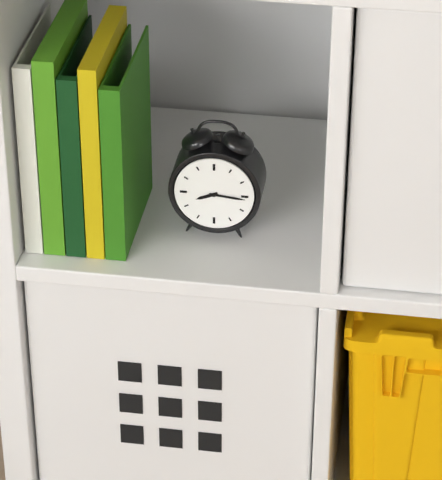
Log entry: {"hour": 8, "minute": 16}
